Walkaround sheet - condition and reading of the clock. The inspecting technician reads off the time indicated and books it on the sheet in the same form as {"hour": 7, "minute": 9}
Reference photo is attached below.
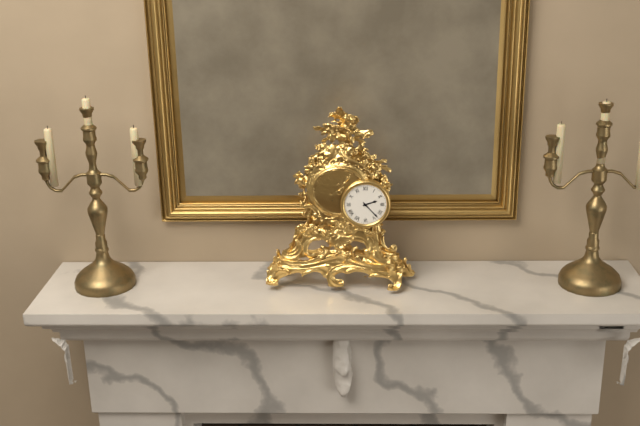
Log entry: {"hour": 2, "minute": 23}
